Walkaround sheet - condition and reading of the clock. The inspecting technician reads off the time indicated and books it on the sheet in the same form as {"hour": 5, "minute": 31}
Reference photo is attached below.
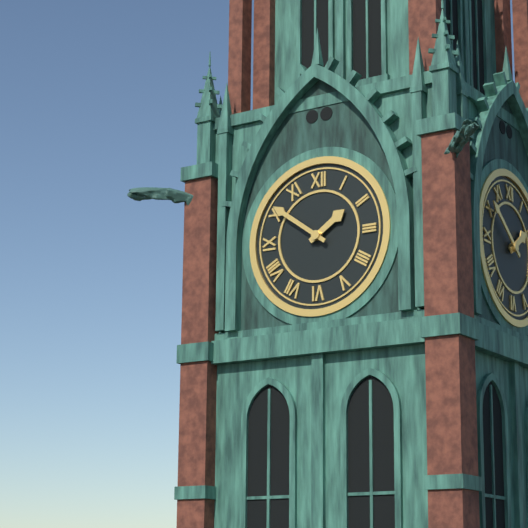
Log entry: {"hour": 1, "minute": 51}
